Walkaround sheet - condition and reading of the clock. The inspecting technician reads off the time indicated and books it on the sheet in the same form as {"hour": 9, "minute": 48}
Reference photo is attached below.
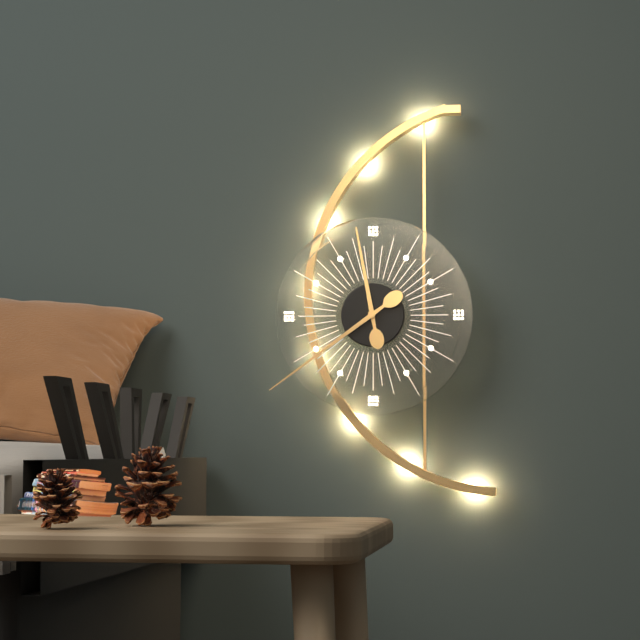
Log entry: {"hour": 11, "minute": 39}
